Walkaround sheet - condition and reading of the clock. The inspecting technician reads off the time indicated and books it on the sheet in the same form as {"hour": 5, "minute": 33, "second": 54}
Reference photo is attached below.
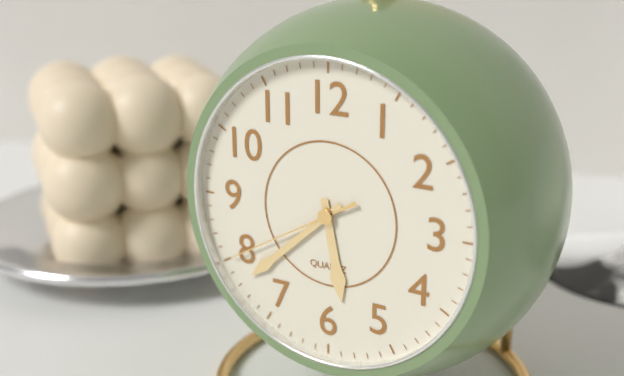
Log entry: {"hour": 5, "minute": 38, "second": 40}
